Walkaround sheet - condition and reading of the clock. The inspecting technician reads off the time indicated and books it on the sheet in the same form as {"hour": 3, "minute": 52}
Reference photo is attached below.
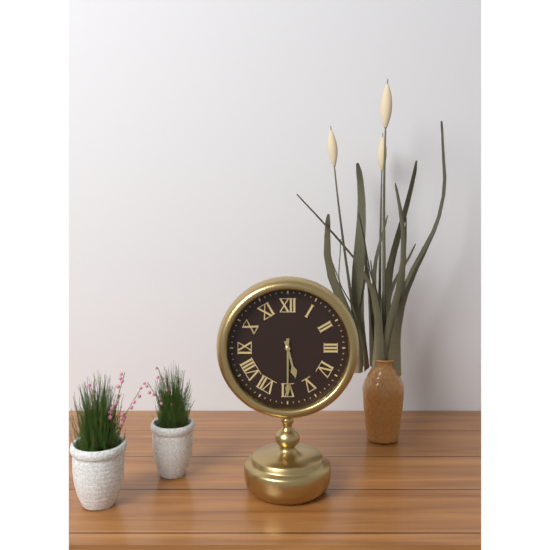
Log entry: {"hour": 5, "minute": 30}
